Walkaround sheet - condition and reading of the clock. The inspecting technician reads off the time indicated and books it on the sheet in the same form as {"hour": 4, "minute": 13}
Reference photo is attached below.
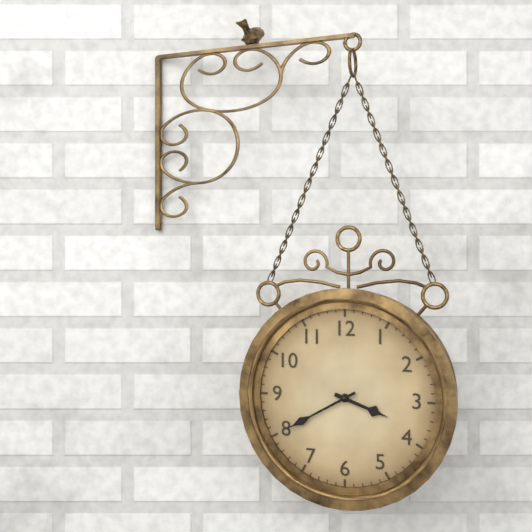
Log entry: {"hour": 3, "minute": 40}
